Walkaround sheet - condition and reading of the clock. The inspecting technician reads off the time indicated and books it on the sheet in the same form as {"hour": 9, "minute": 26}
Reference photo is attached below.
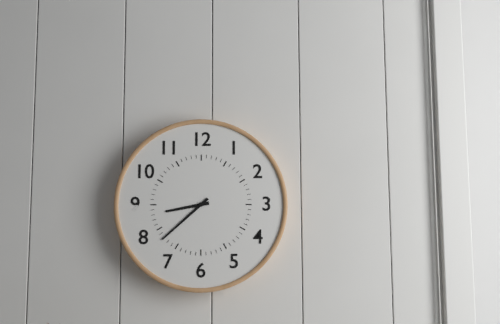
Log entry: {"hour": 8, "minute": 38}
